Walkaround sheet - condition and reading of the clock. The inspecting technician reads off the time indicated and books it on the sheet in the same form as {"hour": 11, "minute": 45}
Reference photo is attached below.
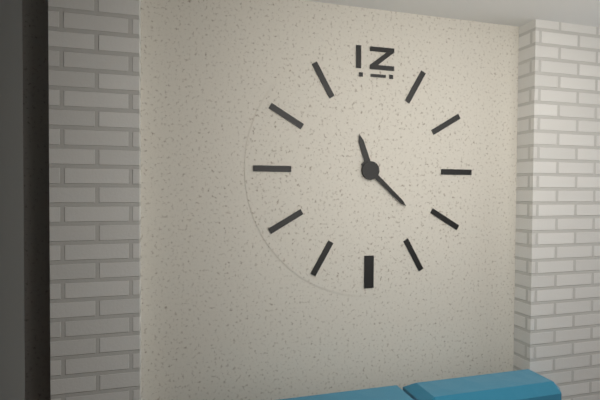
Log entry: {"hour": 11, "minute": 22}
